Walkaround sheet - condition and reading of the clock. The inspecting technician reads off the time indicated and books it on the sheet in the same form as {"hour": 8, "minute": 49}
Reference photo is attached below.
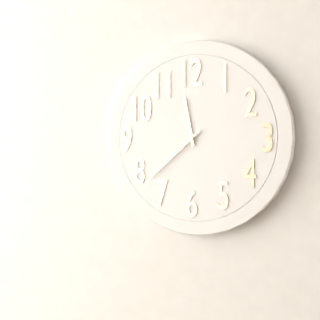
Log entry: {"hour": 11, "minute": 38}
